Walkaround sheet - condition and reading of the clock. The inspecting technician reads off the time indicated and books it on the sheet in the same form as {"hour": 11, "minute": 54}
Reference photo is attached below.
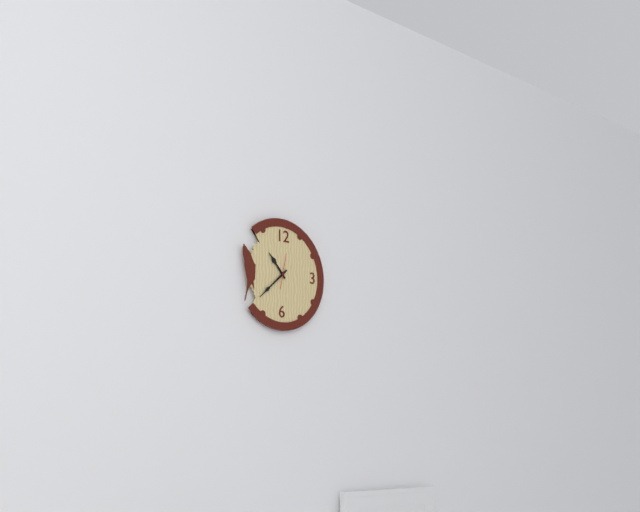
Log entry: {"hour": 10, "minute": 38}
